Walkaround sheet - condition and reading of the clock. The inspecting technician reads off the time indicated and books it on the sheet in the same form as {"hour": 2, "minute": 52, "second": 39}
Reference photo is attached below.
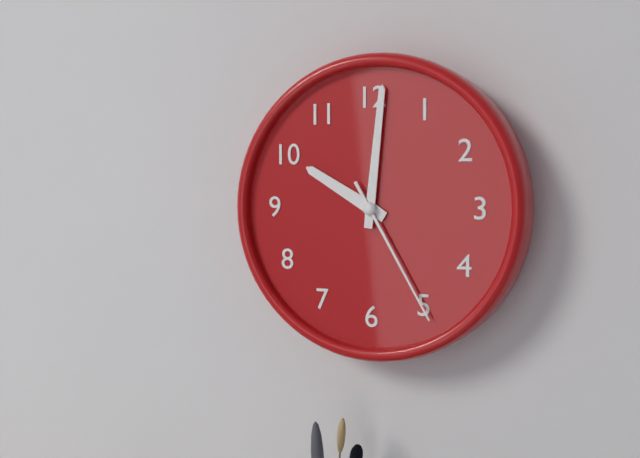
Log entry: {"hour": 10, "minute": 1, "second": 25}
